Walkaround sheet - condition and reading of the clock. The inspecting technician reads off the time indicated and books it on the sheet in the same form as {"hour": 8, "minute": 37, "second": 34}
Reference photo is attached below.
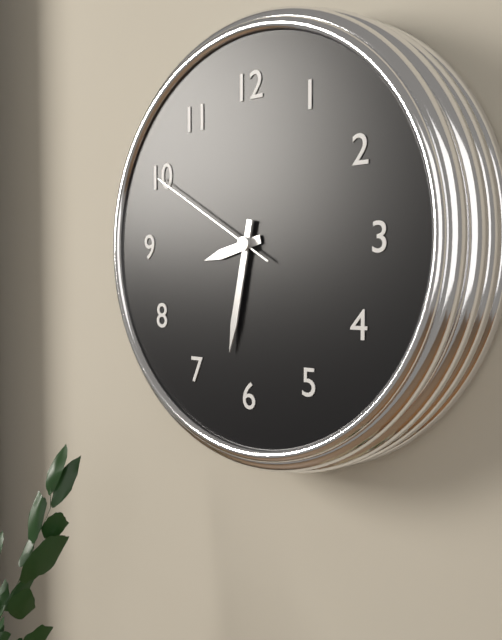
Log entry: {"hour": 8, "minute": 32, "second": 50}
